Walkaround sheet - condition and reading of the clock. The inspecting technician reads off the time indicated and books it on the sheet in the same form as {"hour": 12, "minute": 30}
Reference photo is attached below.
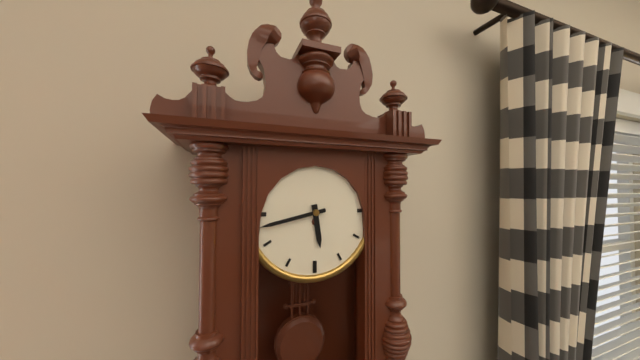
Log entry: {"hour": 5, "minute": 43}
